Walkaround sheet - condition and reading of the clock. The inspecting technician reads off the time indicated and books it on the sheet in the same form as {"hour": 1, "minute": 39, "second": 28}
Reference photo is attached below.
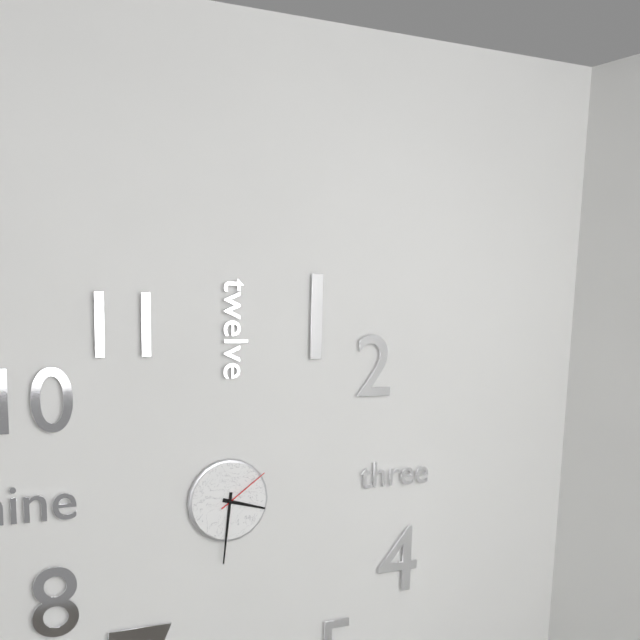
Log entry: {"hour": 3, "minute": 31, "second": 9}
